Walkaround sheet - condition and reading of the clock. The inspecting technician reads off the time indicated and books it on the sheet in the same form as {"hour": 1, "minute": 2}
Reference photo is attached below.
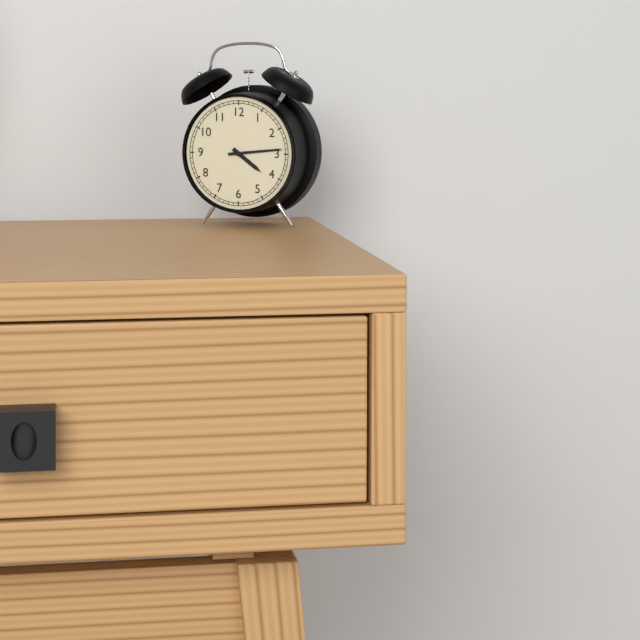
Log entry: {"hour": 4, "minute": 14}
